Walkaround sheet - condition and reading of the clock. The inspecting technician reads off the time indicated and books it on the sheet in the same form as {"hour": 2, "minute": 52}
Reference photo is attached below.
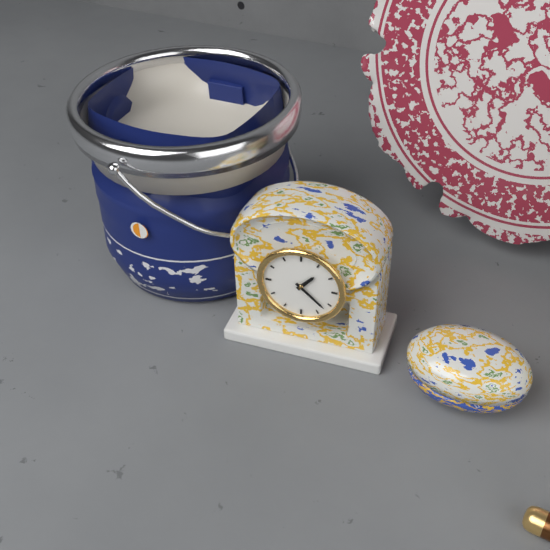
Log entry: {"hour": 1, "minute": 22}
